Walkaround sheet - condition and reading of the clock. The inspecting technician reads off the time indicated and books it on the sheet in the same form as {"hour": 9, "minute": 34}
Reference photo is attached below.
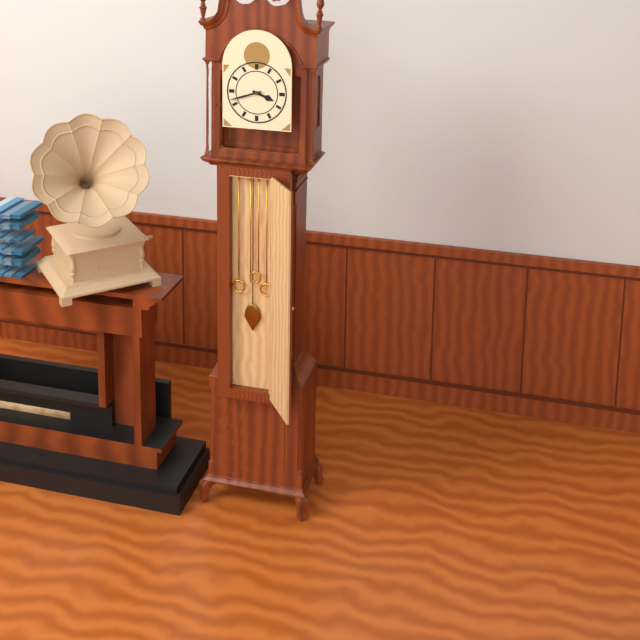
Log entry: {"hour": 3, "minute": 42}
